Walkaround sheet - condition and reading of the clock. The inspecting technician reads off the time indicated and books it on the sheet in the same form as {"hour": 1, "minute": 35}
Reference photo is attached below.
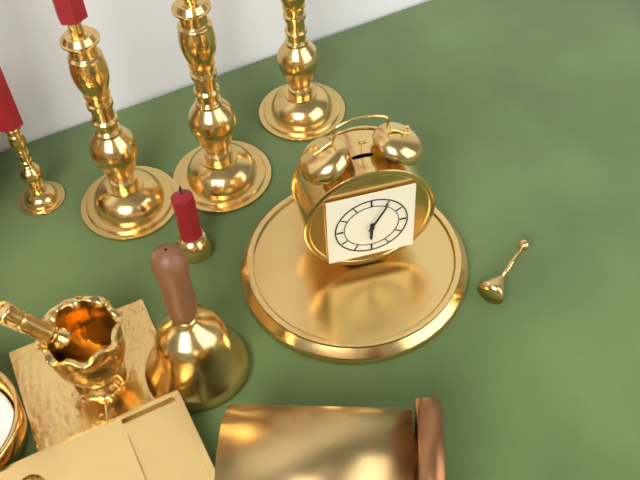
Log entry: {"hour": 6, "minute": 5}
